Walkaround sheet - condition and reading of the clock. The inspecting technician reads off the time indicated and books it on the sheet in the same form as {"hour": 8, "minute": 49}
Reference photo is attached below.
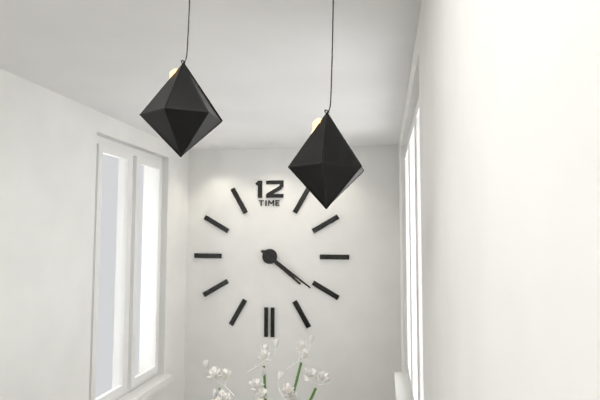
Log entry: {"hour": 4, "minute": 21}
